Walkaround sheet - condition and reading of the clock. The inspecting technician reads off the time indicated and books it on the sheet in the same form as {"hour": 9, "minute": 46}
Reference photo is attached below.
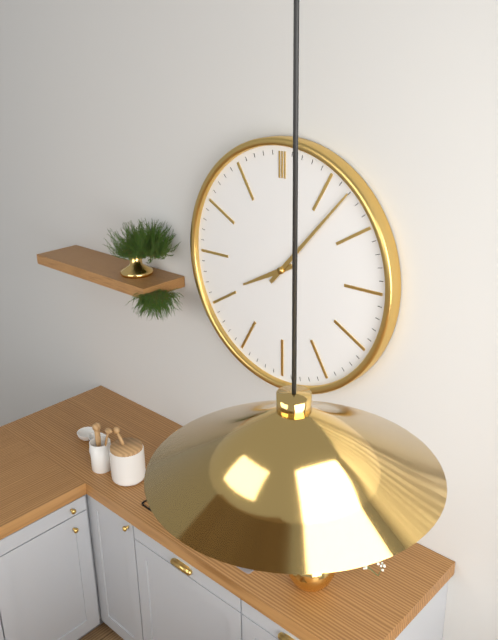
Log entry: {"hour": 8, "minute": 7}
